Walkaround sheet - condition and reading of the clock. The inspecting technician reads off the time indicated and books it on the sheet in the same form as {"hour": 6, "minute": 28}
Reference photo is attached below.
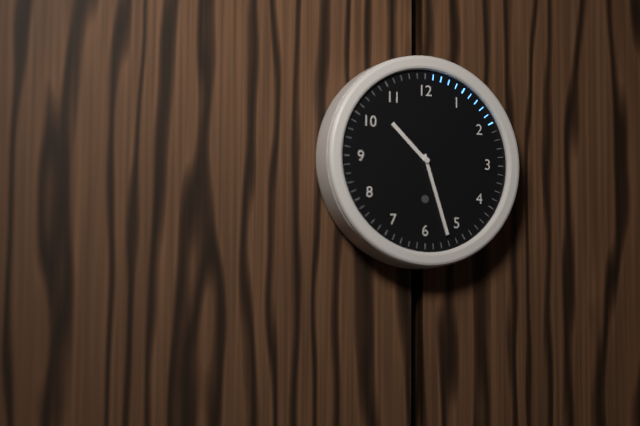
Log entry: {"hour": 10, "minute": 27}
